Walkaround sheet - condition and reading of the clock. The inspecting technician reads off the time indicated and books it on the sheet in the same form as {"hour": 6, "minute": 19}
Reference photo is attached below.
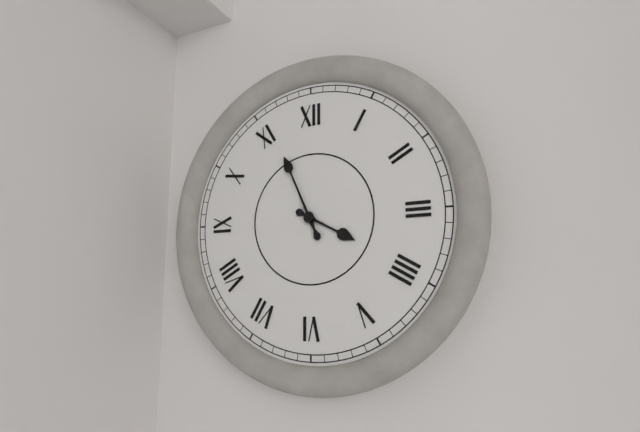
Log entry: {"hour": 3, "minute": 56}
